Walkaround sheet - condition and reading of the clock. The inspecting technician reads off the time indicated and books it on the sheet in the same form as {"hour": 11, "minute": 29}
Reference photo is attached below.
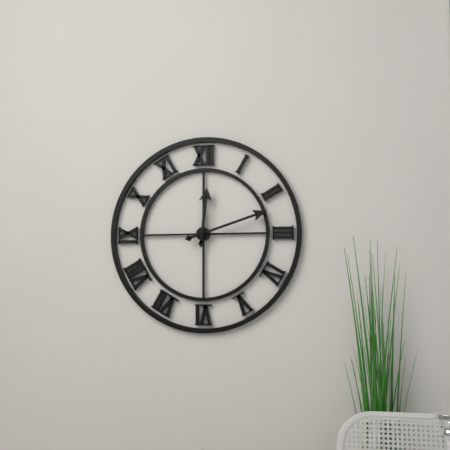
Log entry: {"hour": 12, "minute": 12}
